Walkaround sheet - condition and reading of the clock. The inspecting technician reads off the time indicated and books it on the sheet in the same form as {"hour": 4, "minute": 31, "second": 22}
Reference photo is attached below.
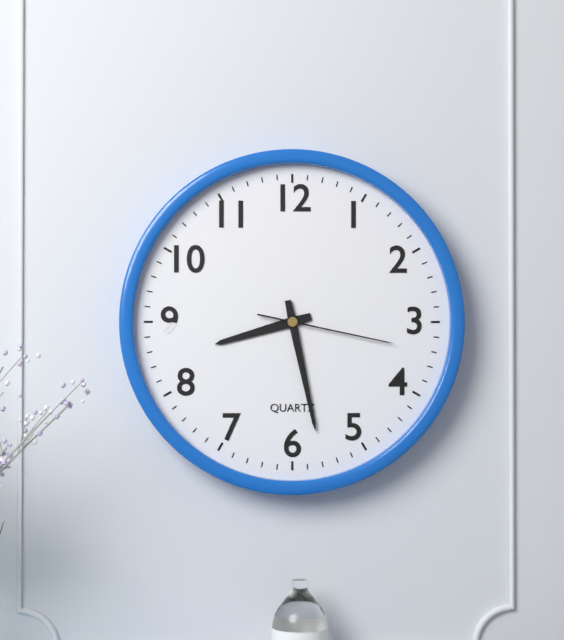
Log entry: {"hour": 8, "minute": 28, "second": 17}
